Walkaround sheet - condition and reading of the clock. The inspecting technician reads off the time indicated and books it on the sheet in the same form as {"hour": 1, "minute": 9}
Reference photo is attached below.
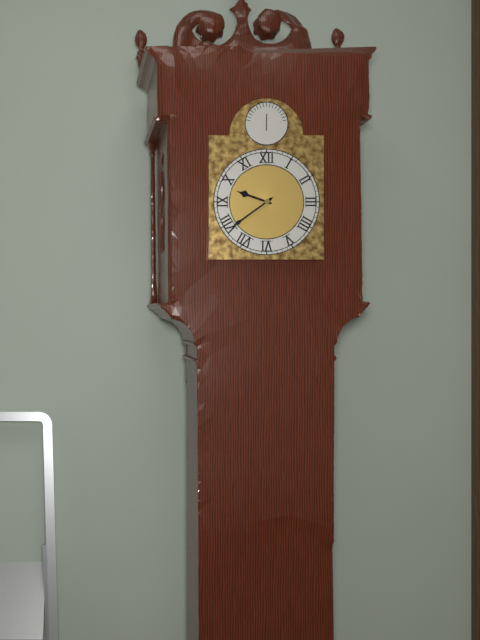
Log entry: {"hour": 9, "minute": 39}
